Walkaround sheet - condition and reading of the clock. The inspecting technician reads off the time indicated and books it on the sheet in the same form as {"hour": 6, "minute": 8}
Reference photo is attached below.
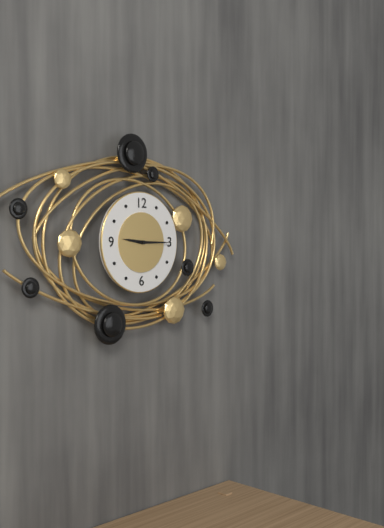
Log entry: {"hour": 9, "minute": 15}
